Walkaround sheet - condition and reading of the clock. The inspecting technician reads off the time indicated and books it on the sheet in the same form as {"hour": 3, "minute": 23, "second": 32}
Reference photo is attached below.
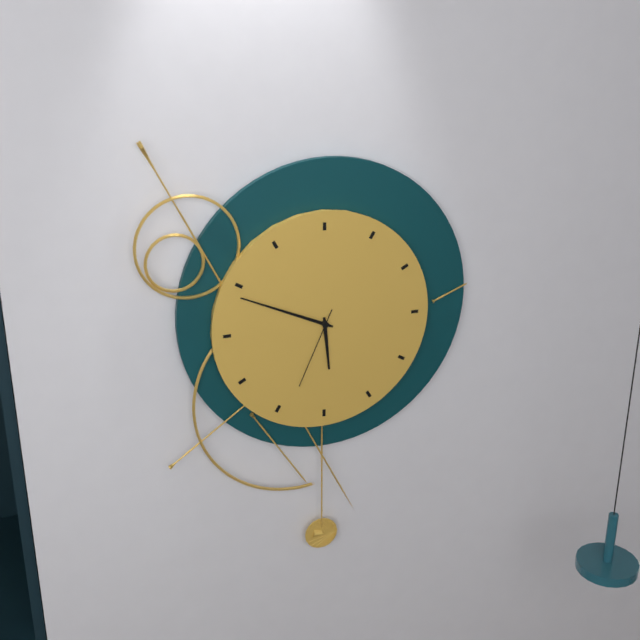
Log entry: {"hour": 5, "minute": 49, "second": 34}
